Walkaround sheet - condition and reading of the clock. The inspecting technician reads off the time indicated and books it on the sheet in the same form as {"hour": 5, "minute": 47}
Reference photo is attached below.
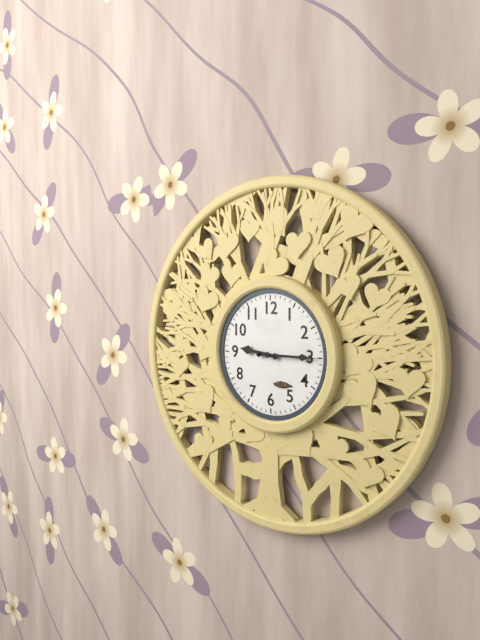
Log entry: {"hour": 9, "minute": 15}
